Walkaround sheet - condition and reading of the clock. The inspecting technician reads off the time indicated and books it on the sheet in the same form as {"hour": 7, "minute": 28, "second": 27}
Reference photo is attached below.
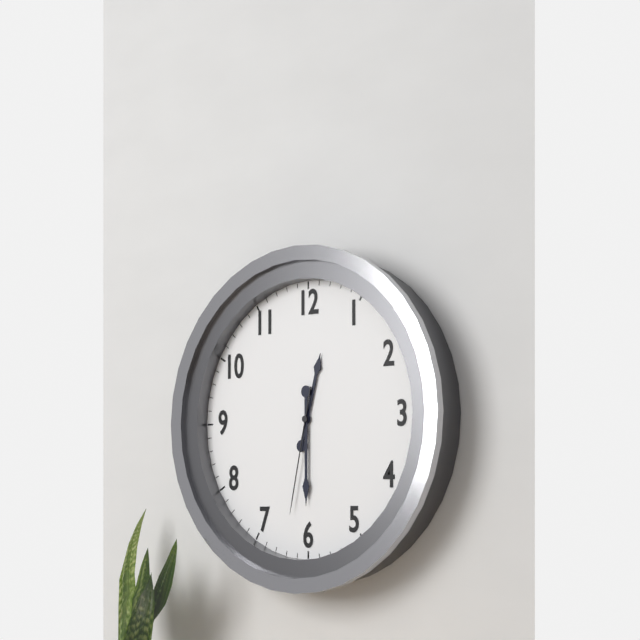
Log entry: {"hour": 12, "minute": 30, "second": 32}
